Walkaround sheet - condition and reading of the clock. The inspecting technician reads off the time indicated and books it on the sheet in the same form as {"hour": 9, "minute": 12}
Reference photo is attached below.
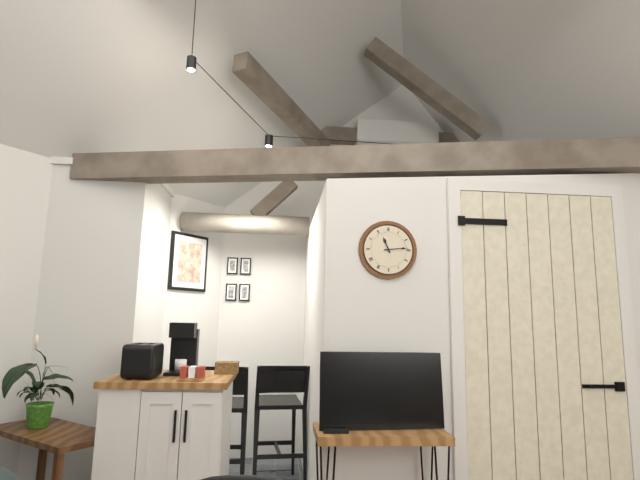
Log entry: {"hour": 11, "minute": 14}
